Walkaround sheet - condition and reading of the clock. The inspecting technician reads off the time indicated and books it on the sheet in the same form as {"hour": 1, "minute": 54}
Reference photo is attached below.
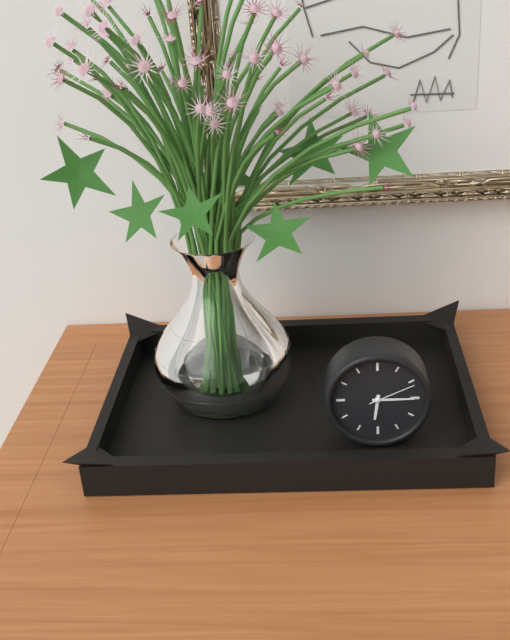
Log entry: {"hour": 6, "minute": 15}
